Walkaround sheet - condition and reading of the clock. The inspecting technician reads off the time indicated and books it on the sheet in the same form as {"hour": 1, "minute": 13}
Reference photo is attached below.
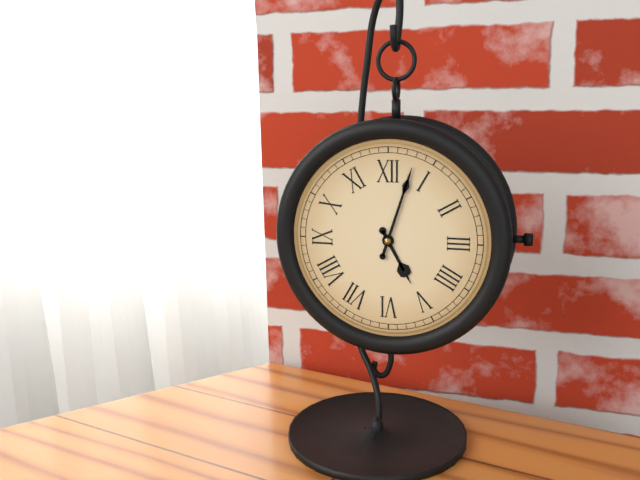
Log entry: {"hour": 5, "minute": 3}
